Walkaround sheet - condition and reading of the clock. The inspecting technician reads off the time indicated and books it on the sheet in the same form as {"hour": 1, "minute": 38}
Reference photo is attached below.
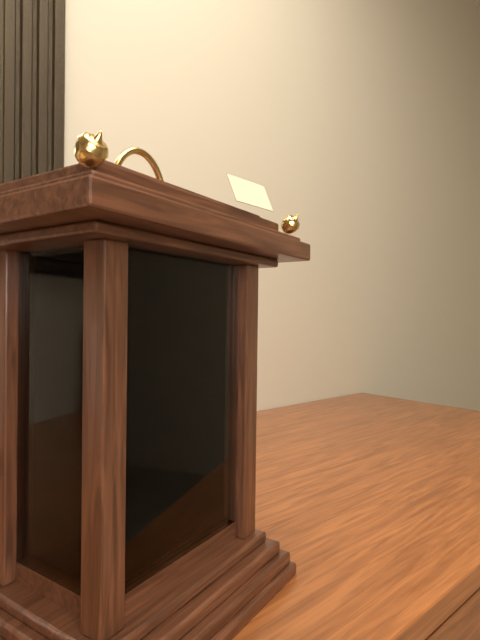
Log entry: {"hour": 1, "minute": 26}
